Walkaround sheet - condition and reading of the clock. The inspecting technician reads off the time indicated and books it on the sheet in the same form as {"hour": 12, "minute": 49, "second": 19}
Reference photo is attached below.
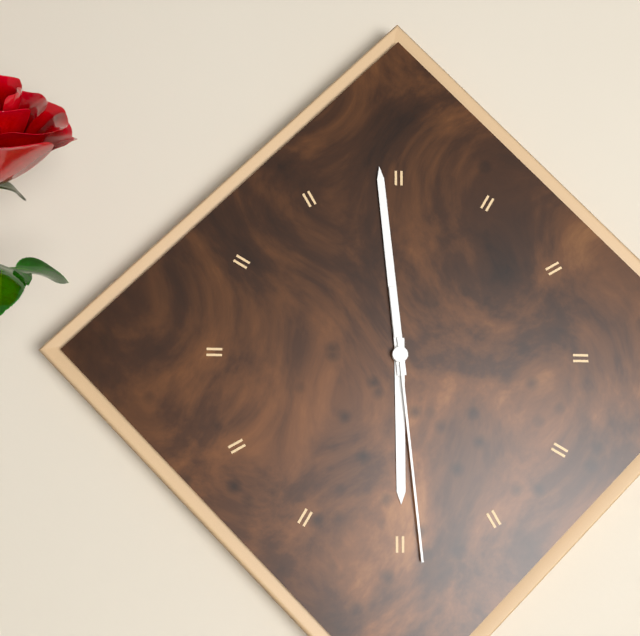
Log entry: {"hour": 5, "minute": 59, "second": 29}
